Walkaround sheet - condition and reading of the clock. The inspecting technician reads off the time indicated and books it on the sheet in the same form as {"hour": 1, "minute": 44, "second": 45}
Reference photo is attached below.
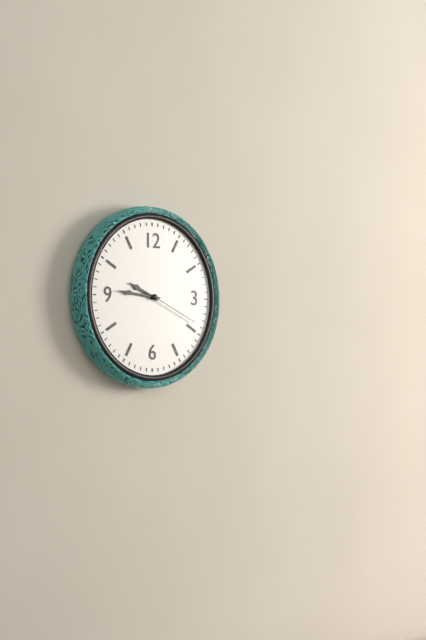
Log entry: {"hour": 9, "minute": 46, "second": 19}
